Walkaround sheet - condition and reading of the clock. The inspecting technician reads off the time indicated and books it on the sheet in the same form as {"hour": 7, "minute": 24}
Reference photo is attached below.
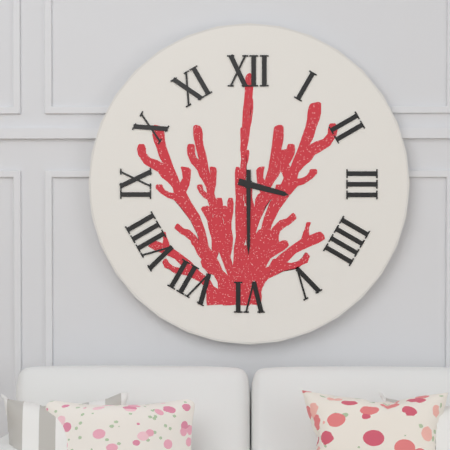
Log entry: {"hour": 3, "minute": 30}
